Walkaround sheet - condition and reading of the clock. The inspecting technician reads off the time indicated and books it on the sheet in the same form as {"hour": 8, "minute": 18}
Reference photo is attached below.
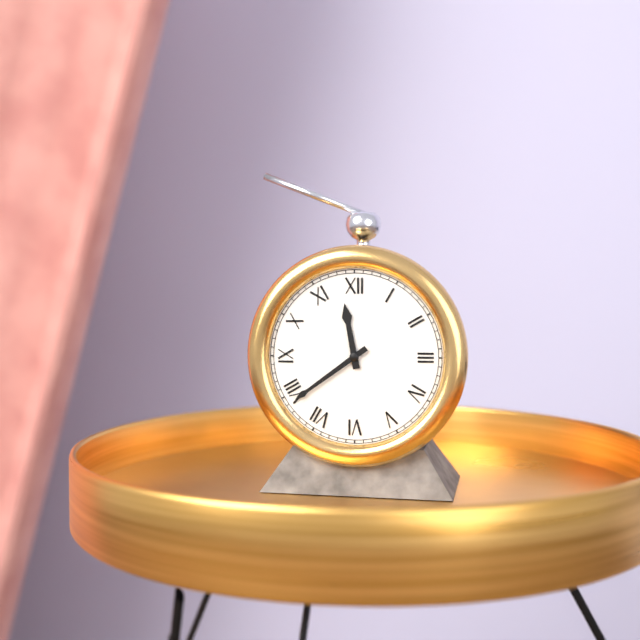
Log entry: {"hour": 11, "minute": 39}
